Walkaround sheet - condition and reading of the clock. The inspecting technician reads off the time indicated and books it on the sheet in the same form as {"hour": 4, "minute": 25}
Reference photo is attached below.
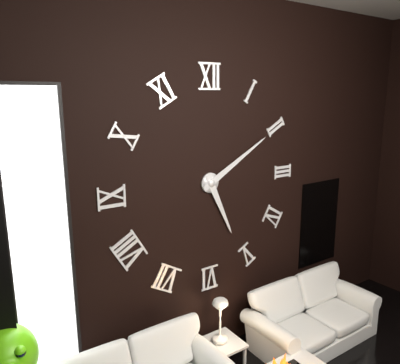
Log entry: {"hour": 5, "minute": 10}
